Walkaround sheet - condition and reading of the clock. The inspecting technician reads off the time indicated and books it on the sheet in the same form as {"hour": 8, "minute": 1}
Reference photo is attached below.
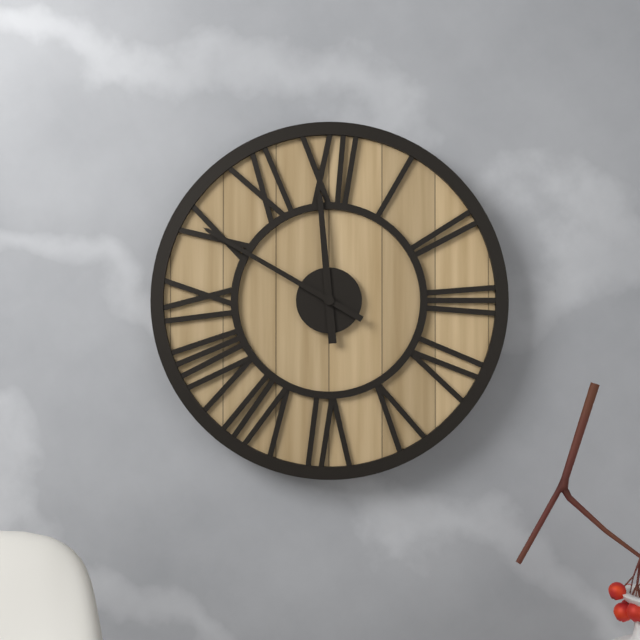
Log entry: {"hour": 11, "minute": 50}
